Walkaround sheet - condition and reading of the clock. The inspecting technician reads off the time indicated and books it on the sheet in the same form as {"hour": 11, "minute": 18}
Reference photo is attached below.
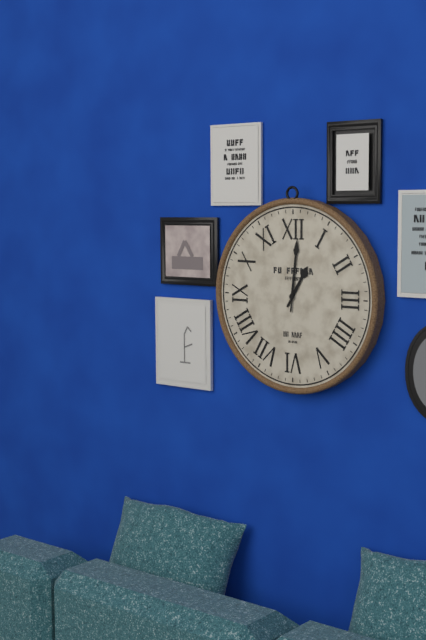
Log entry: {"hour": 1, "minute": 1}
